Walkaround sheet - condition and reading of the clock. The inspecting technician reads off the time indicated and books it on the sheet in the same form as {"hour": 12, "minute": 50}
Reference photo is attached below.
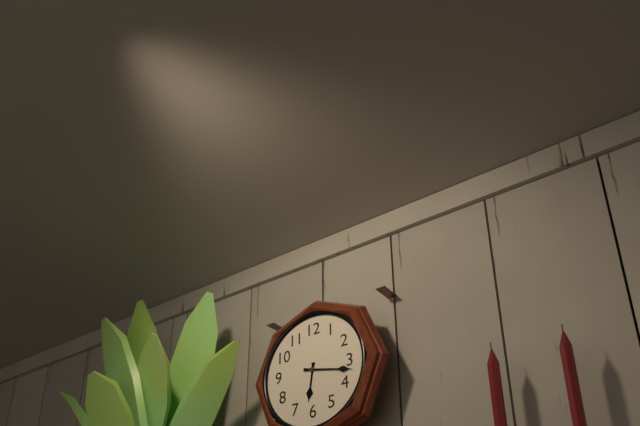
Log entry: {"hour": 6, "minute": 17}
